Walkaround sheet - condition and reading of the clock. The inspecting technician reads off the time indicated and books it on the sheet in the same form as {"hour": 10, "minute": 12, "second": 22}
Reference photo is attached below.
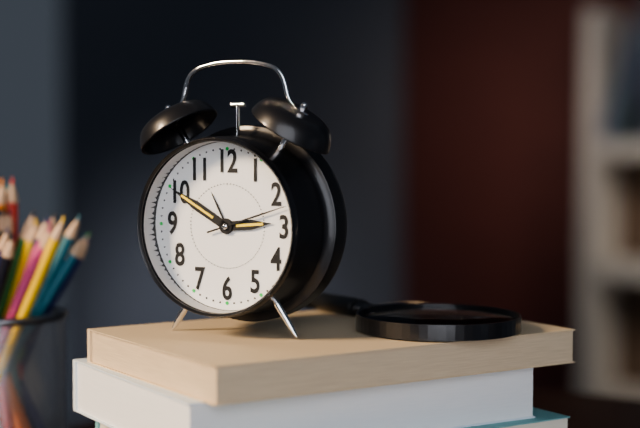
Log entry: {"hour": 2, "minute": 50, "second": 12}
